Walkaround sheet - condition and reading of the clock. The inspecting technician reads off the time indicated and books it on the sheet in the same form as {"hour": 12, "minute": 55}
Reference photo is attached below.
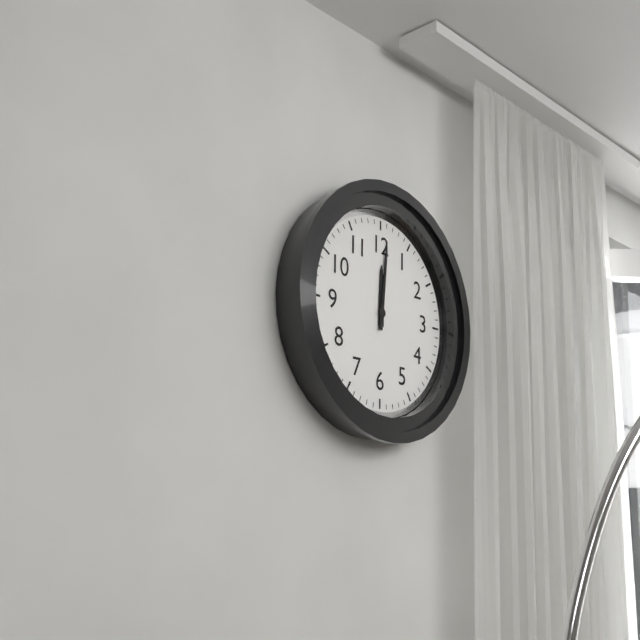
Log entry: {"hour": 12, "minute": 1}
